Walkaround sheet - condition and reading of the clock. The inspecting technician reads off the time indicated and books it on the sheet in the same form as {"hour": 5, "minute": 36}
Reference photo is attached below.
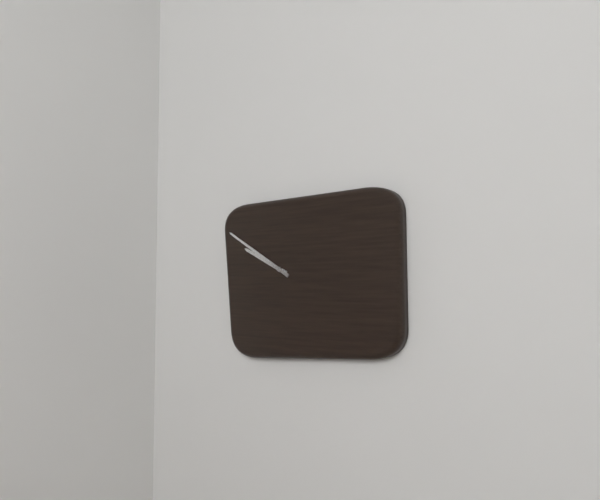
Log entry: {"hour": 9, "minute": 50}
